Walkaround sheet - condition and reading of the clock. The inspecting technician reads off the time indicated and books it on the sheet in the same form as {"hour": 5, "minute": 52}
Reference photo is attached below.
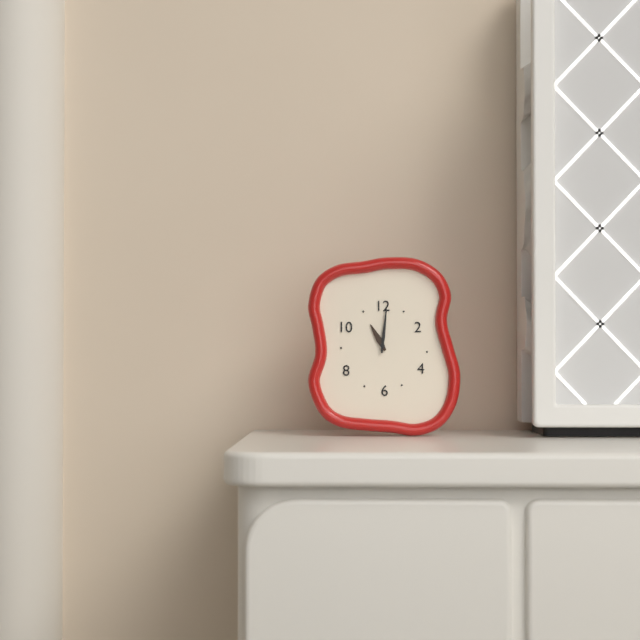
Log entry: {"hour": 11, "minute": 1}
